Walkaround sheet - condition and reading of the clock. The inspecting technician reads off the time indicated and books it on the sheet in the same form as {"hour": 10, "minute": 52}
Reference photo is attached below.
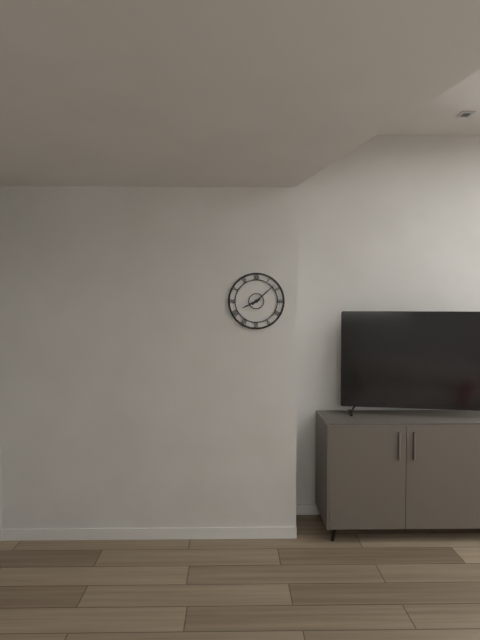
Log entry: {"hour": 8, "minute": 8}
